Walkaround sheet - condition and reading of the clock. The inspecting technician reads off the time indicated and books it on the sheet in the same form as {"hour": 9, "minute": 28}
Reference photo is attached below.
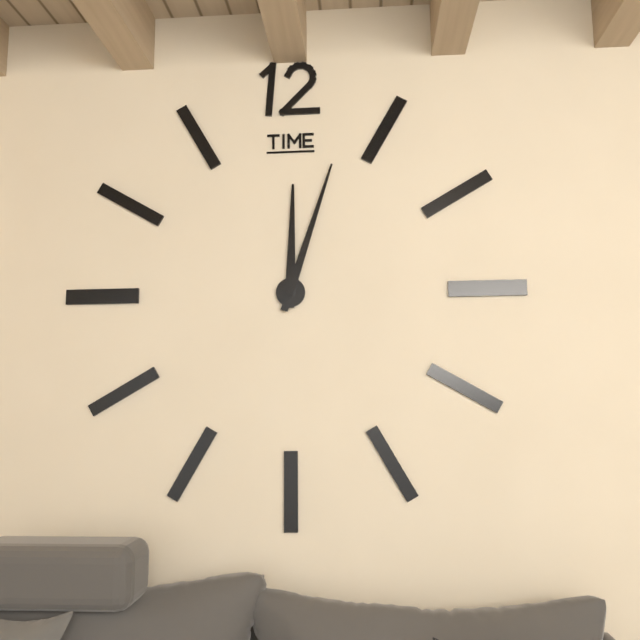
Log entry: {"hour": 12, "minute": 3}
